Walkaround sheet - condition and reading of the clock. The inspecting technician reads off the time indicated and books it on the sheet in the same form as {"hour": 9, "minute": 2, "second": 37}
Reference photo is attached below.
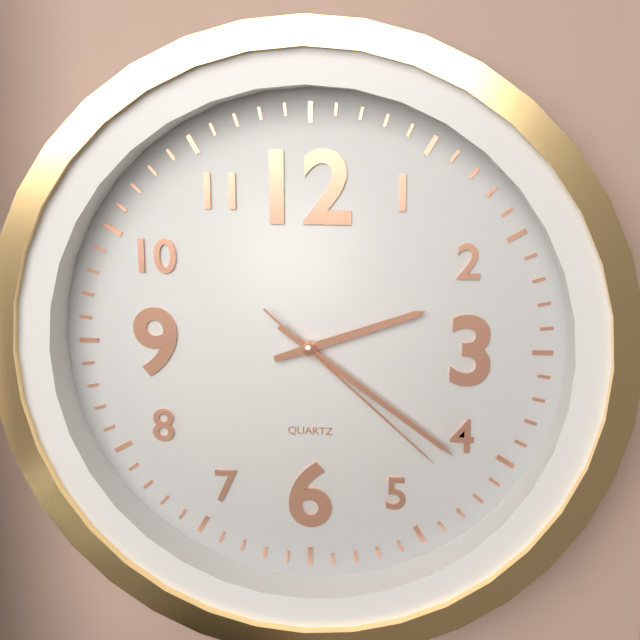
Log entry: {"hour": 2, "minute": 21, "second": 22}
